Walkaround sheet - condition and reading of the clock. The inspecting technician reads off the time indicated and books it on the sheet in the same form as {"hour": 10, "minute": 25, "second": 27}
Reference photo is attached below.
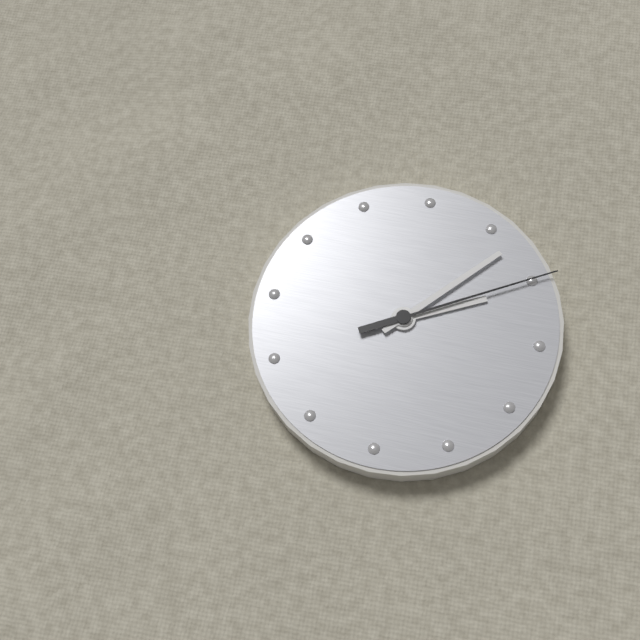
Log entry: {"hour": 2, "minute": 7, "second": 10}
